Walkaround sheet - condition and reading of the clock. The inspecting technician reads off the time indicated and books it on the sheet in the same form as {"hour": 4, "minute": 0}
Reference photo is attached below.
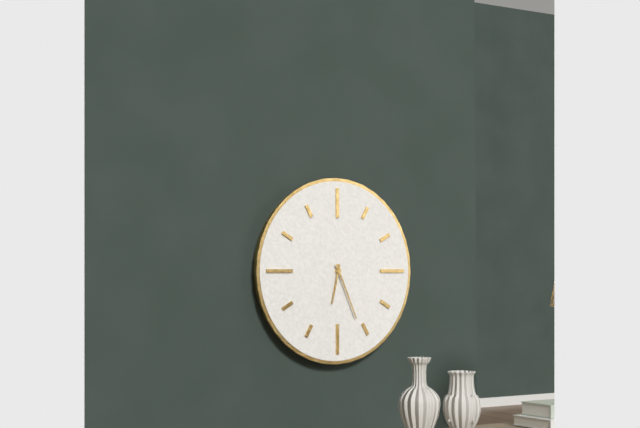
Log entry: {"hour": 6, "minute": 26}
